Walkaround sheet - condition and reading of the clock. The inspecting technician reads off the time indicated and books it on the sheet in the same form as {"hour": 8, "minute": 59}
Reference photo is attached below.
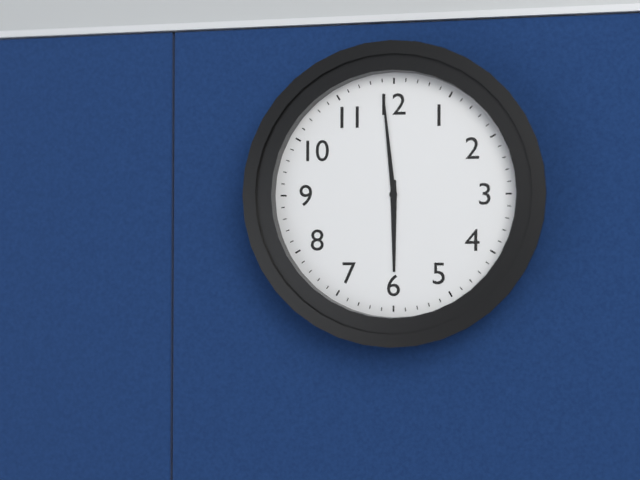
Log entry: {"hour": 5, "minute": 59}
